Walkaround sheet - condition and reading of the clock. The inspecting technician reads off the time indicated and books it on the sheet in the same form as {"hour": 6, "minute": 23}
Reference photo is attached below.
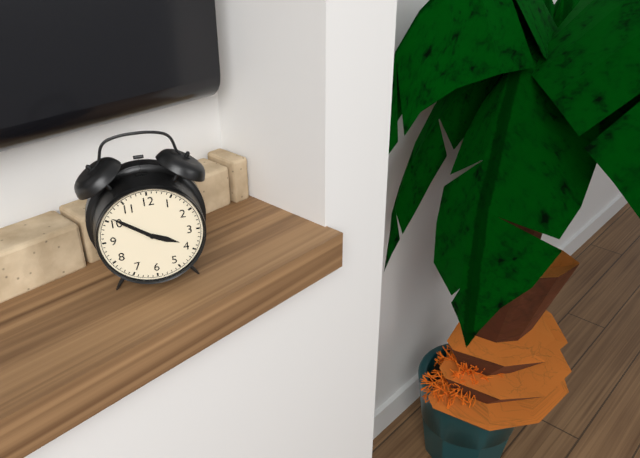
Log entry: {"hour": 3, "minute": 51}
